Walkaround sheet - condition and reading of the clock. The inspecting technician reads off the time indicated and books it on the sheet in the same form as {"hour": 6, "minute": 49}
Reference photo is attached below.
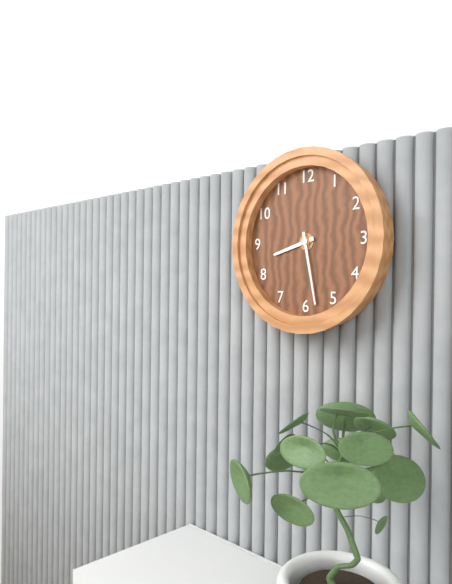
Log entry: {"hour": 8, "minute": 28}
